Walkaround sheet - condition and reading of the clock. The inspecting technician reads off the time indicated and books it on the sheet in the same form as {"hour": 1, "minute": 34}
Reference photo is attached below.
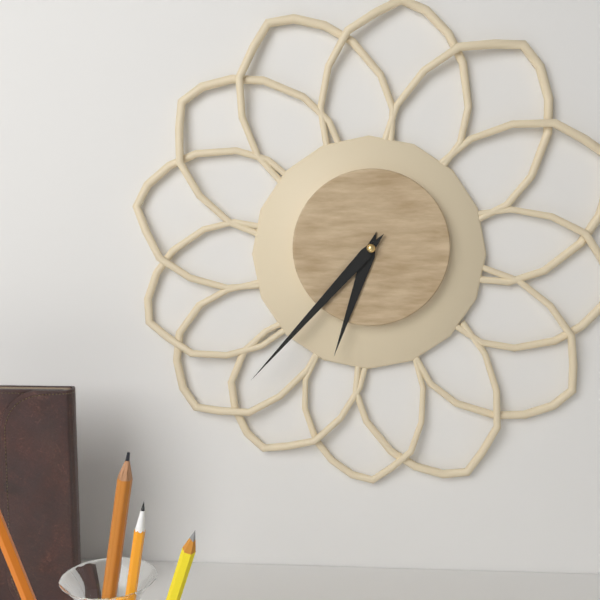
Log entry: {"hour": 6, "minute": 37}
